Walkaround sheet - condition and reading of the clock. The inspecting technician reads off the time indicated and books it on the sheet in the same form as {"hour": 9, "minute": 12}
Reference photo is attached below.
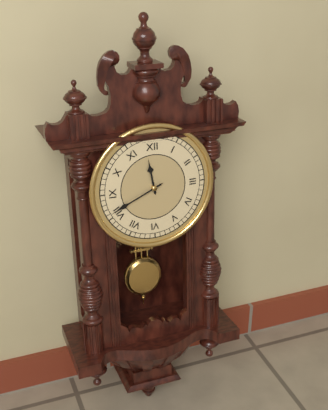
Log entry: {"hour": 11, "minute": 41}
